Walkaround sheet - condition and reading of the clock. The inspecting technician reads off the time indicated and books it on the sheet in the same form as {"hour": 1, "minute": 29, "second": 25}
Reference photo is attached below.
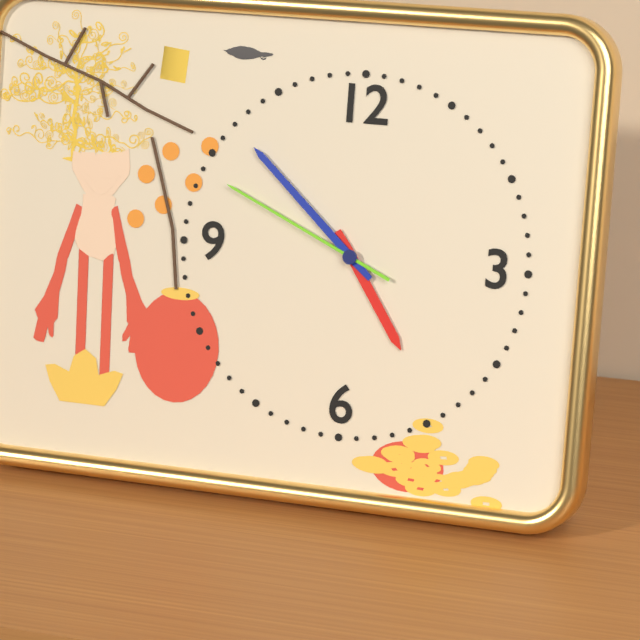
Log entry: {"hour": 4, "minute": 52, "second": 49}
